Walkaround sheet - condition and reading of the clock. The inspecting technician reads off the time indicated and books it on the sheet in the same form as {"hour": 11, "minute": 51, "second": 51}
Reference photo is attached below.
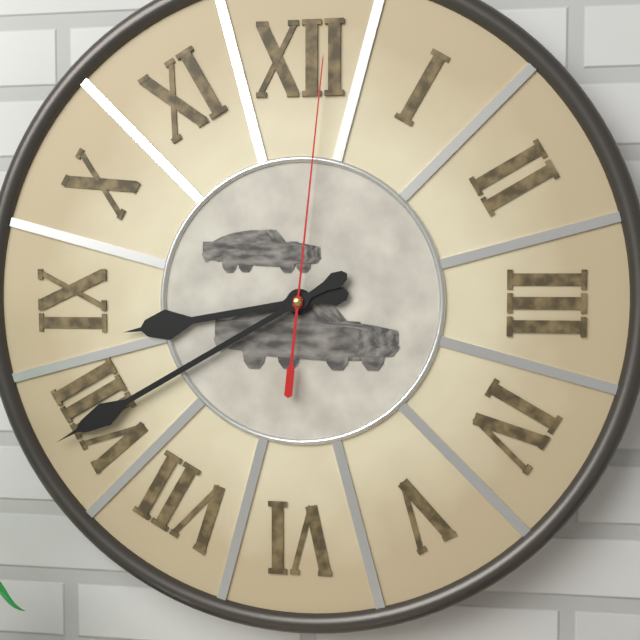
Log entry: {"hour": 8, "minute": 40, "second": 1}
